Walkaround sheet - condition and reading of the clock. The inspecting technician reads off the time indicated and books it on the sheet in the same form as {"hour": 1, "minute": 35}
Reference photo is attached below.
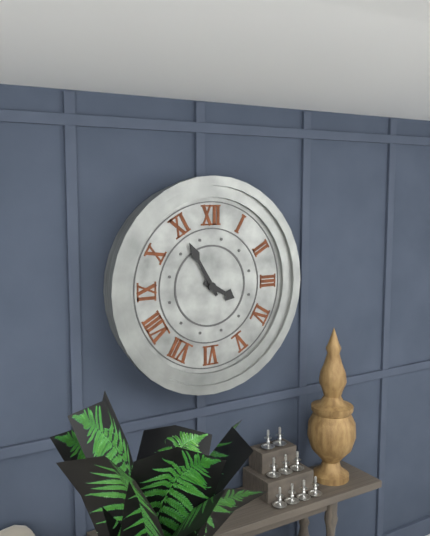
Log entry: {"hour": 3, "minute": 55}
